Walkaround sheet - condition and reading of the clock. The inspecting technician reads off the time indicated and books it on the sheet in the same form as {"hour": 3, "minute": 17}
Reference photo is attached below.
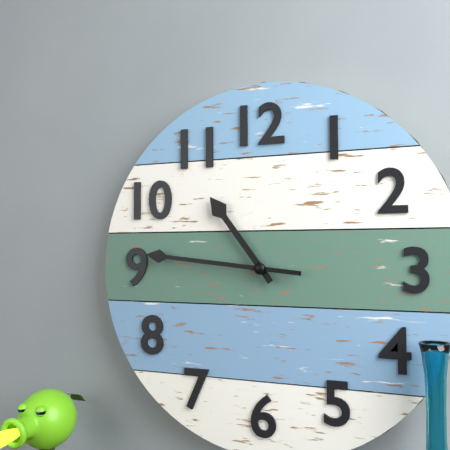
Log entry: {"hour": 10, "minute": 46}
